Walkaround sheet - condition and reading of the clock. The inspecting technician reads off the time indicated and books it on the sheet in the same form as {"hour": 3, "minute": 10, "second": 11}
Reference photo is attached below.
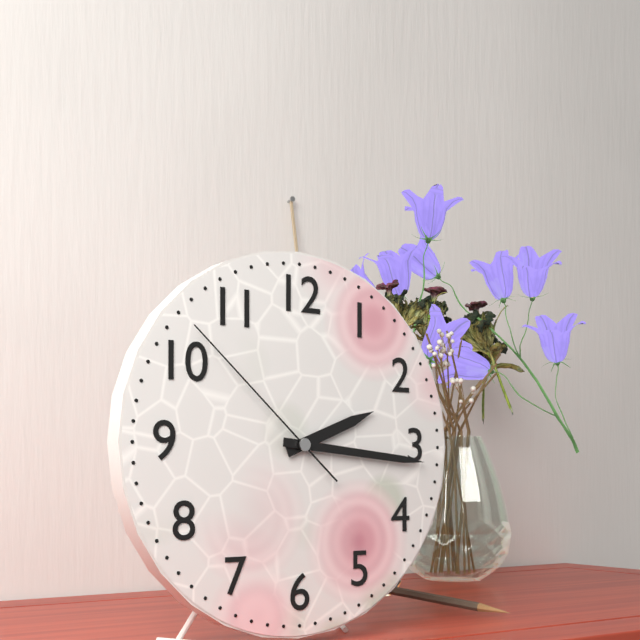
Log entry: {"hour": 2, "minute": 16, "second": 52}
